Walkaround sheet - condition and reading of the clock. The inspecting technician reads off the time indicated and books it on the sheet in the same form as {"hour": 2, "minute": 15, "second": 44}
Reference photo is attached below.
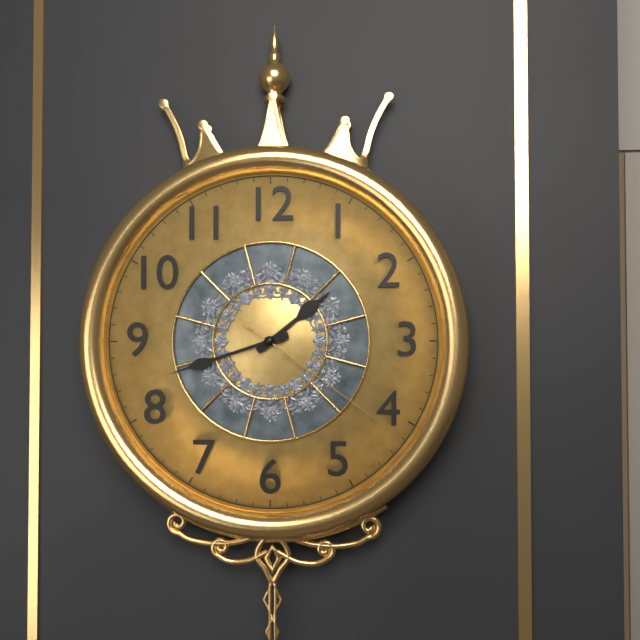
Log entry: {"hour": 1, "minute": 42, "second": 21}
